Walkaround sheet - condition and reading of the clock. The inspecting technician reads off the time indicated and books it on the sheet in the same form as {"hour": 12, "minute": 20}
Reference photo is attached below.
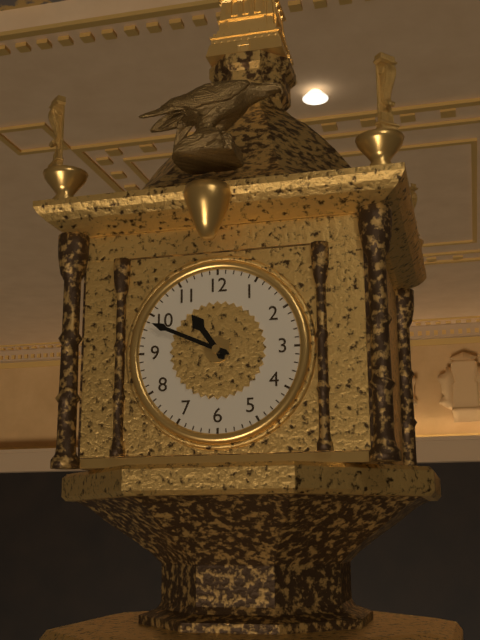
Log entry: {"hour": 10, "minute": 49}
